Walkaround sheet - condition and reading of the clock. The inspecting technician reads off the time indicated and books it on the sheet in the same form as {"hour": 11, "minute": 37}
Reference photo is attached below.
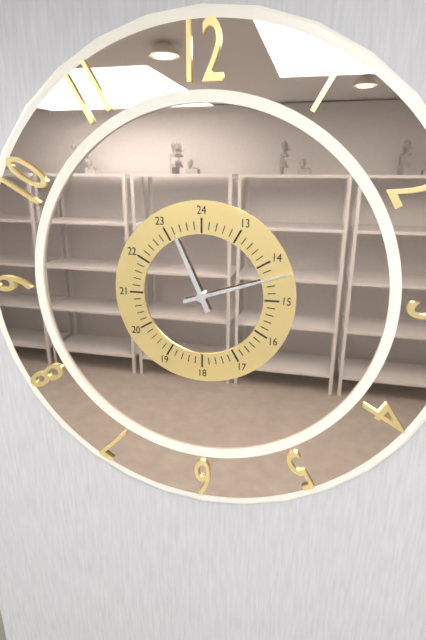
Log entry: {"hour": 11, "minute": 12}
